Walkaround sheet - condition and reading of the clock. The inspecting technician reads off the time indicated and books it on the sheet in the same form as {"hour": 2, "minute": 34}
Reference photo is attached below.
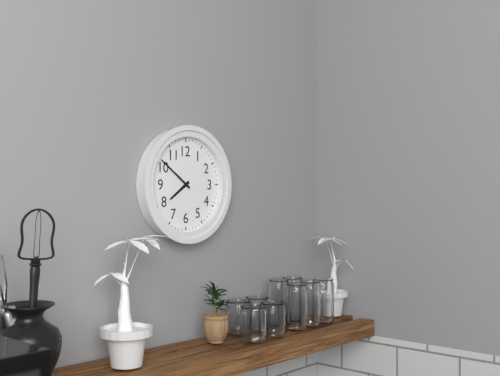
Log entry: {"hour": 7, "minute": 51}
